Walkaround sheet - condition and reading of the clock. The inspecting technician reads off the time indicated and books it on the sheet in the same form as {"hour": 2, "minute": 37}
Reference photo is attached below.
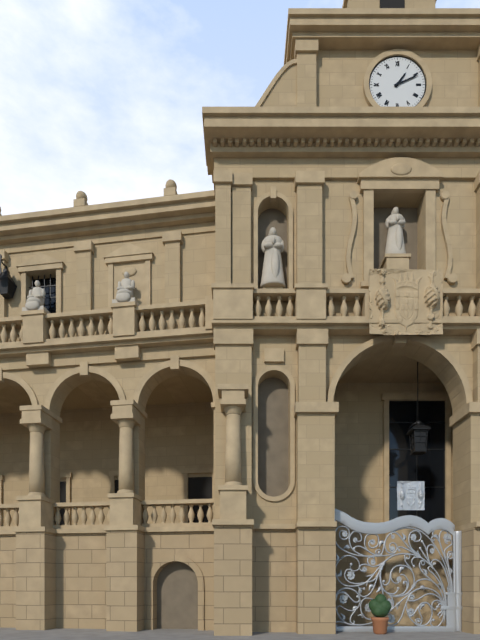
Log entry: {"hour": 1, "minute": 11}
